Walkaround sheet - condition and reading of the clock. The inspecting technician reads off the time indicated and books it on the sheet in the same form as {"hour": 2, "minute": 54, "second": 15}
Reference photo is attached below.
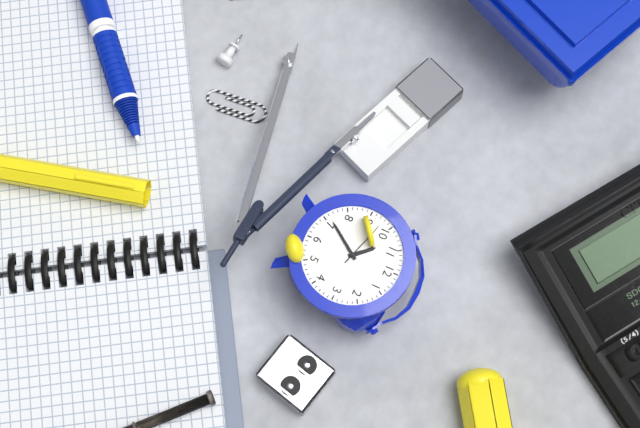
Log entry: {"hour": 10, "minute": 36, "second": 48}
